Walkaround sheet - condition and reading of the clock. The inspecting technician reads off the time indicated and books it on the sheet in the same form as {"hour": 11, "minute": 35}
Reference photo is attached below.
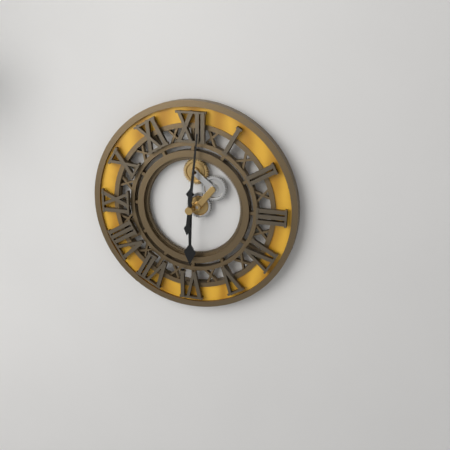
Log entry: {"hour": 6, "minute": 1}
